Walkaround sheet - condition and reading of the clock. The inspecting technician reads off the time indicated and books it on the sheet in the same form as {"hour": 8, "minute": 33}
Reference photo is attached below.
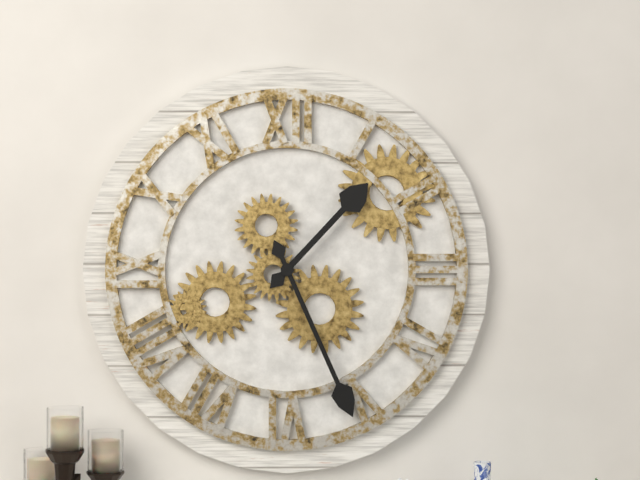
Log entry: {"hour": 1, "minute": 26}
